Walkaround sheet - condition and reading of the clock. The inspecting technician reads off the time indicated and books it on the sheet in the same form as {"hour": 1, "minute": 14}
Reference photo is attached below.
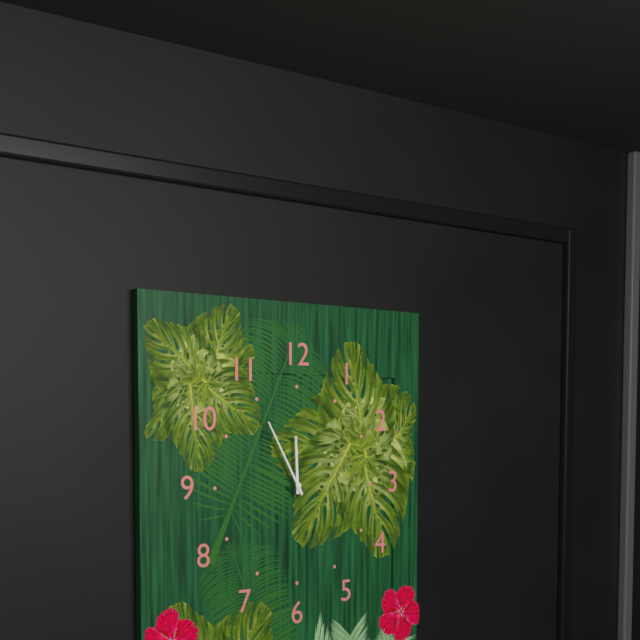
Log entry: {"hour": 11, "minute": 55}
